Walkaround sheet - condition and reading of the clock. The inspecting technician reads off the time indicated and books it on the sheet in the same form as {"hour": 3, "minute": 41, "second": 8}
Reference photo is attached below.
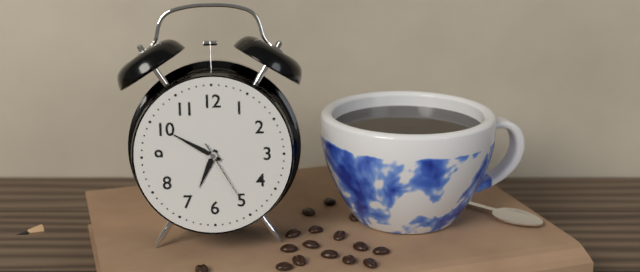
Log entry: {"hour": 6, "minute": 50, "second": 25}
